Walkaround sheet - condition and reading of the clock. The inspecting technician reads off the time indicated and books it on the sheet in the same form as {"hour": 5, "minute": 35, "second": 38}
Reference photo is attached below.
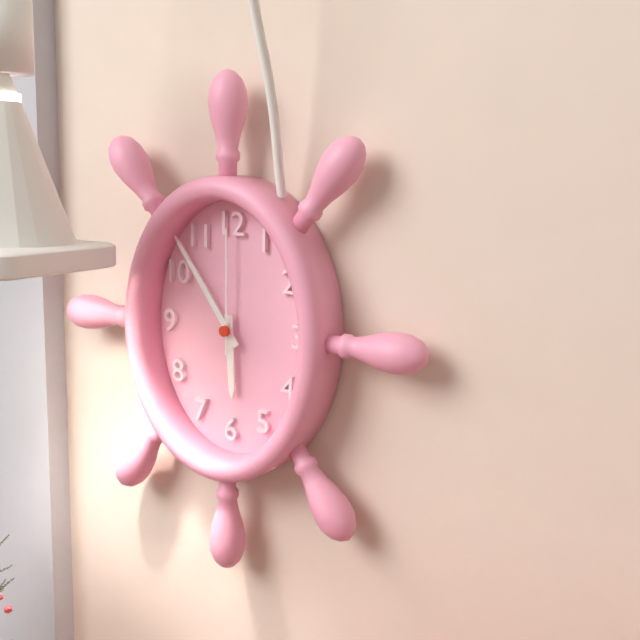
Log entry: {"hour": 5, "minute": 54, "second": 0}
